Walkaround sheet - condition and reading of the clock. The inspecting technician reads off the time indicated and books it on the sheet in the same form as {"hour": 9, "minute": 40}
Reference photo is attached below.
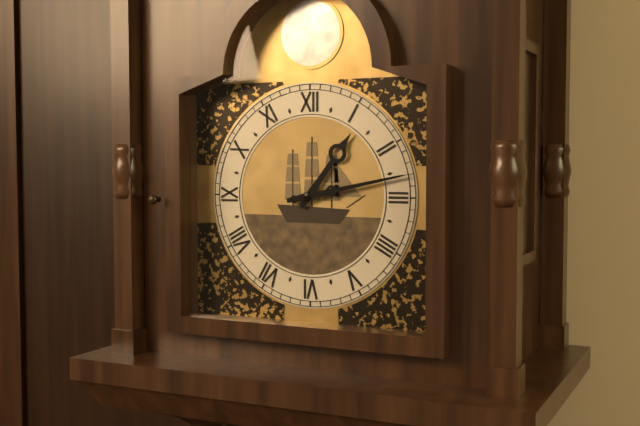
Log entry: {"hour": 1, "minute": 13}
